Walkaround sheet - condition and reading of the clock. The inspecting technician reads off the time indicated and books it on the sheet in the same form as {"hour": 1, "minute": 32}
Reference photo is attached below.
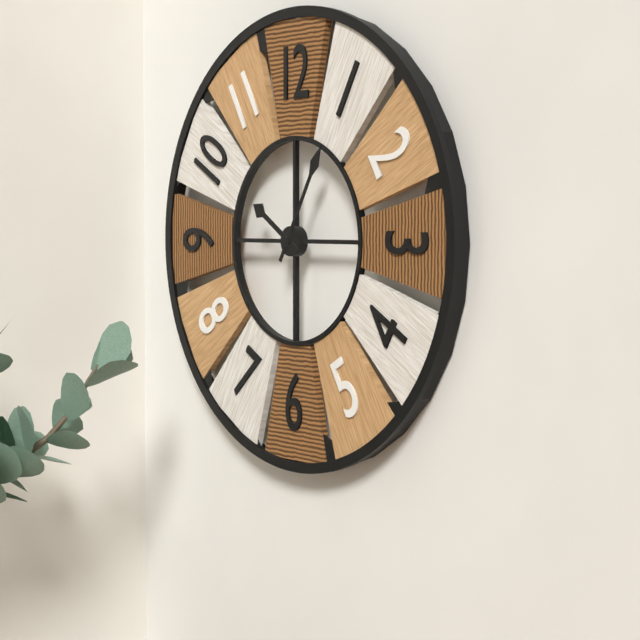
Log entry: {"hour": 10, "minute": 5}
